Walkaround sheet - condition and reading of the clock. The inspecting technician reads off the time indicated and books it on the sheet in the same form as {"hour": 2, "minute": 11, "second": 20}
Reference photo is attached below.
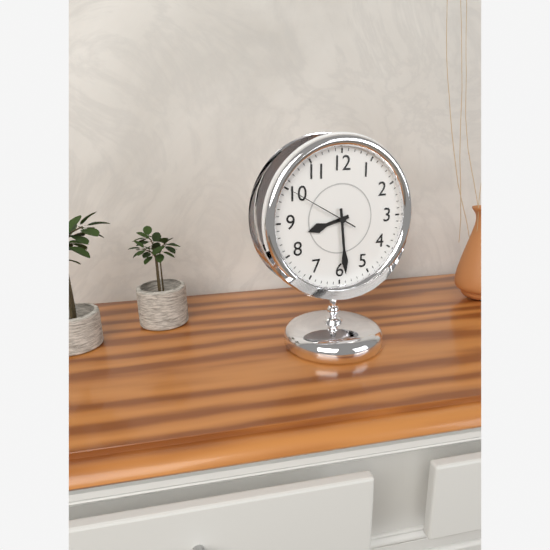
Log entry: {"hour": 8, "minute": 29, "second": 50}
